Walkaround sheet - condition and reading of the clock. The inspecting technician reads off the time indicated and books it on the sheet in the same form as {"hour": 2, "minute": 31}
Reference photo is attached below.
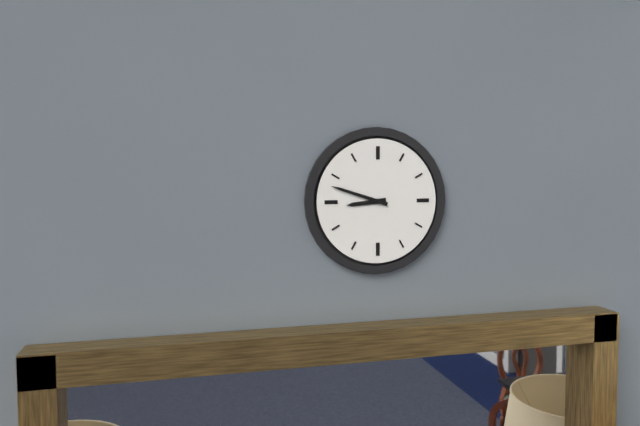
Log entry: {"hour": 8, "minute": 48}
